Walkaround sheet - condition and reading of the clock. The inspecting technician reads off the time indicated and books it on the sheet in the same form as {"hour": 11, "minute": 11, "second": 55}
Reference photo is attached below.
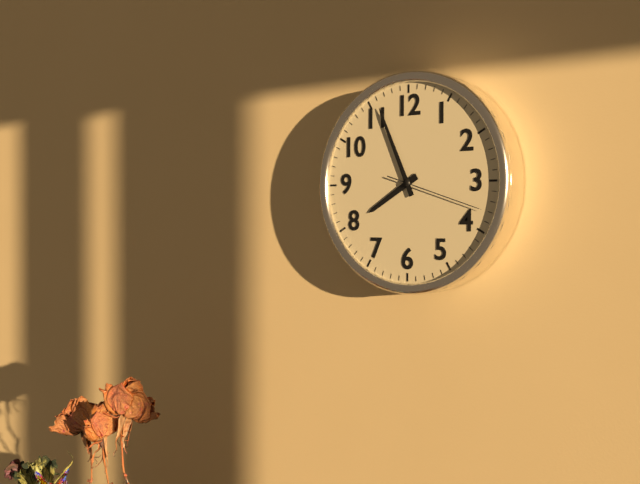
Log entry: {"hour": 7, "minute": 56, "second": 18}
